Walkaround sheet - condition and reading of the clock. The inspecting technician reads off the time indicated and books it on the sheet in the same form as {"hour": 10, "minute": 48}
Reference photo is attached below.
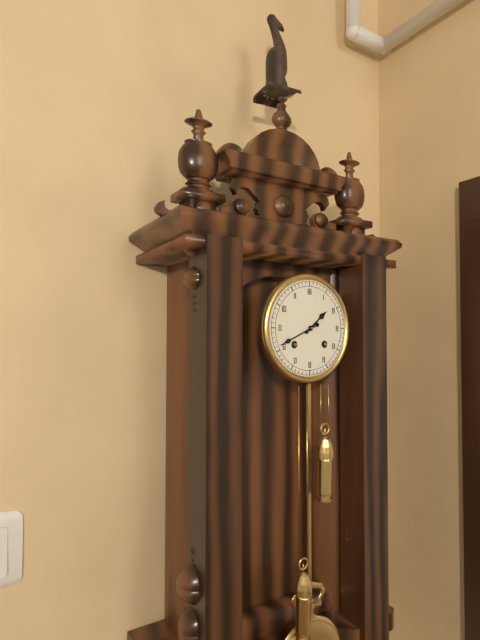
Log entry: {"hour": 1, "minute": 41}
